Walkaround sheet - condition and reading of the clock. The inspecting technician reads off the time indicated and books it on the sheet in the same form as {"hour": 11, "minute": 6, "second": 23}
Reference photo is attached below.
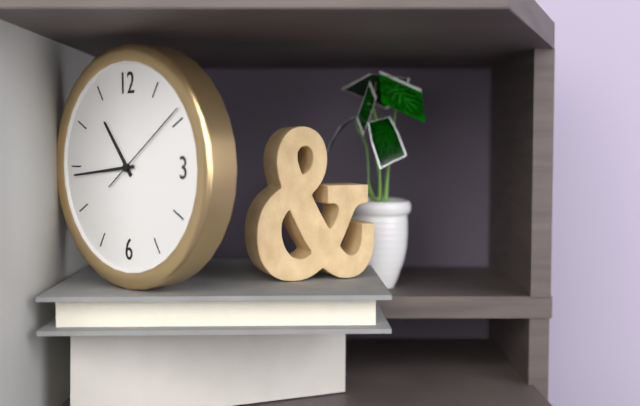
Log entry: {"hour": 10, "minute": 44, "second": 9}
